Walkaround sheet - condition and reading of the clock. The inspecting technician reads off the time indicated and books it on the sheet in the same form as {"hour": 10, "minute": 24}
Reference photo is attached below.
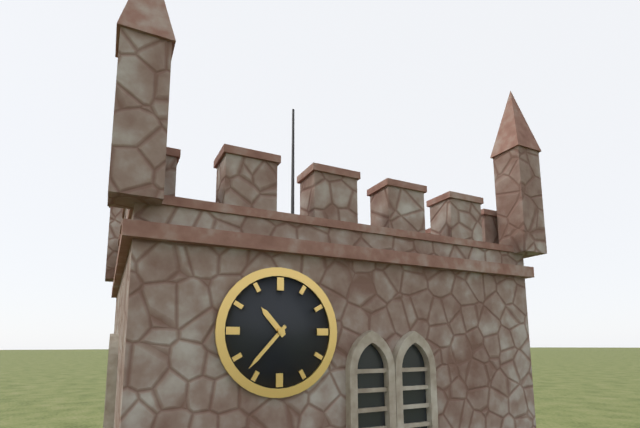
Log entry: {"hour": 10, "minute": 37}
